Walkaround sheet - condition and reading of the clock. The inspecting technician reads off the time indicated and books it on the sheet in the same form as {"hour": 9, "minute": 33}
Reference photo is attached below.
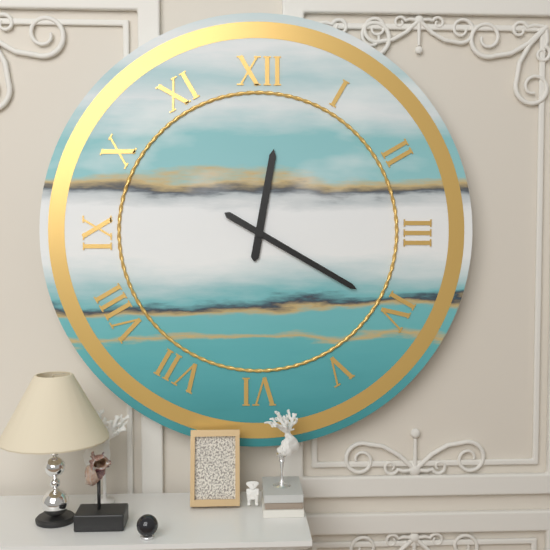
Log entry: {"hour": 12, "minute": 20}
